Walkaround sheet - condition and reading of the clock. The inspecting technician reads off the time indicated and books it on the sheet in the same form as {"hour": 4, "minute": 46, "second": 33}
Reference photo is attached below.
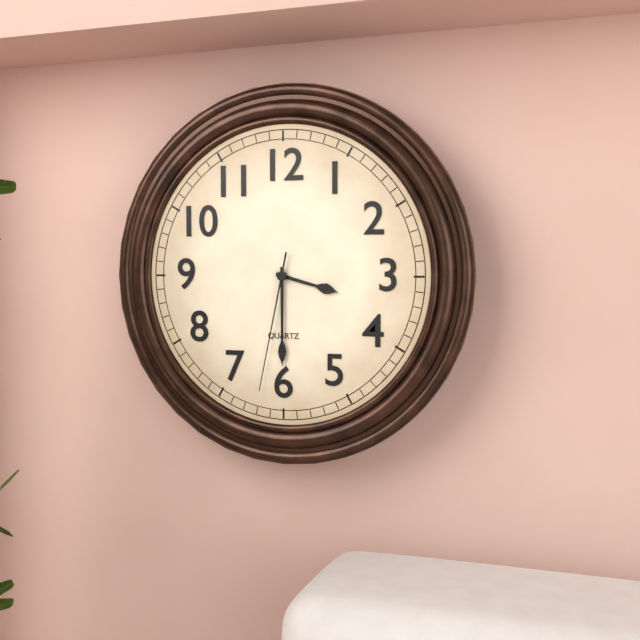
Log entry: {"hour": 3, "minute": 30, "second": 32}
